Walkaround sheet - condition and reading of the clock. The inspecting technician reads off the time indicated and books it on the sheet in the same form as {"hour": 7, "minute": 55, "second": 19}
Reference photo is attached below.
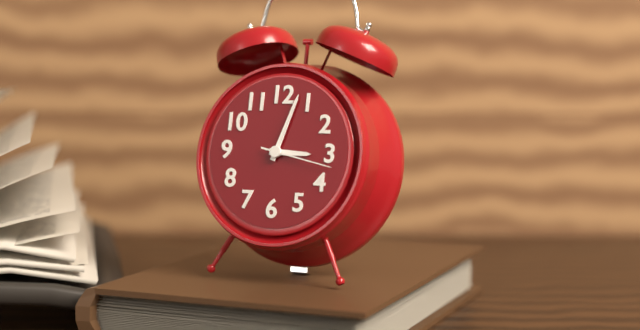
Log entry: {"hour": 3, "minute": 3, "second": 17}
